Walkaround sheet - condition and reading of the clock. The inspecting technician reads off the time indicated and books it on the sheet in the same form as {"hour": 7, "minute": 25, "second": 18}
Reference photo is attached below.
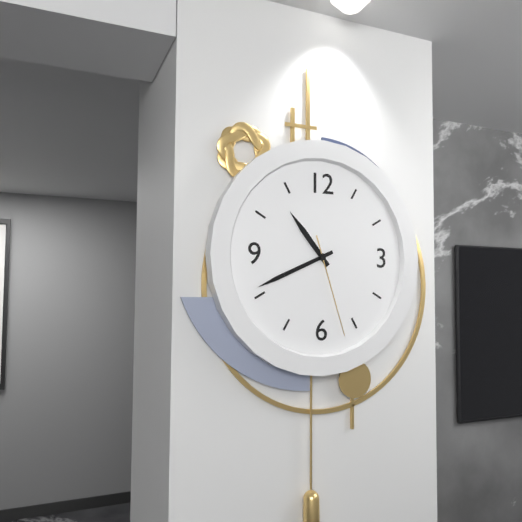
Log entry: {"hour": 10, "minute": 41, "second": 27}
